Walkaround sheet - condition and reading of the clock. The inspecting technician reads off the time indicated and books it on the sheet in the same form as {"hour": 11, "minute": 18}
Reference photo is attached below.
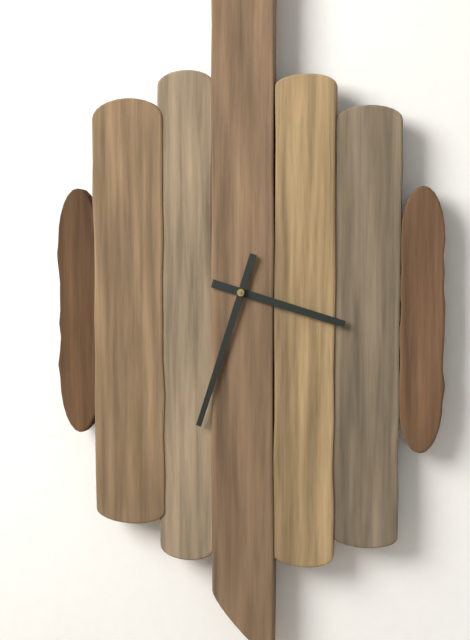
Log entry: {"hour": 3, "minute": 33}
